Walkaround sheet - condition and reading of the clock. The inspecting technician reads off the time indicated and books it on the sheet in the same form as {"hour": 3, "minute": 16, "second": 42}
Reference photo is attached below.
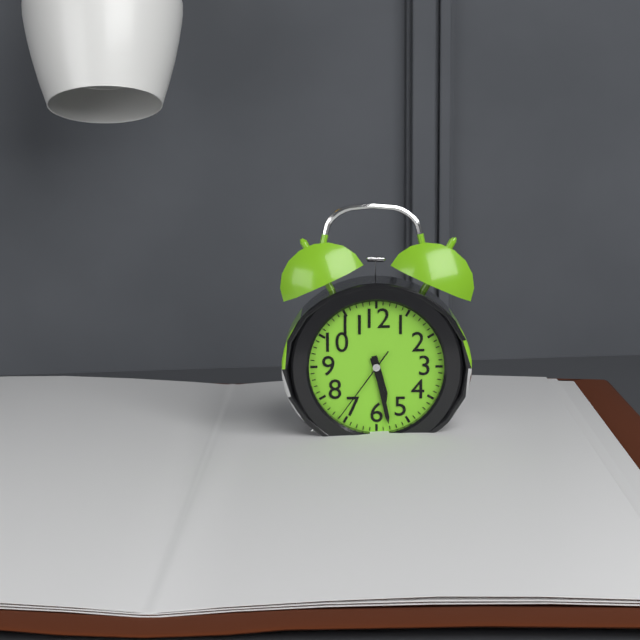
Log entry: {"hour": 5, "minute": 28, "second": 36}
